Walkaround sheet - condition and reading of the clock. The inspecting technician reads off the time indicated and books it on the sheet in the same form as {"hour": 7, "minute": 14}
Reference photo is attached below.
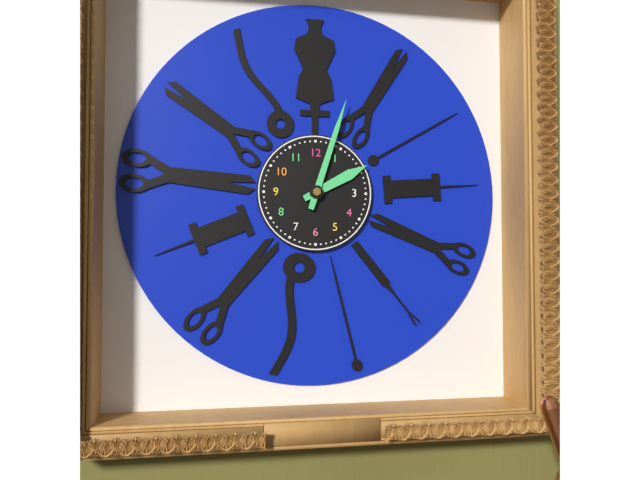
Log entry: {"hour": 2, "minute": 3}
